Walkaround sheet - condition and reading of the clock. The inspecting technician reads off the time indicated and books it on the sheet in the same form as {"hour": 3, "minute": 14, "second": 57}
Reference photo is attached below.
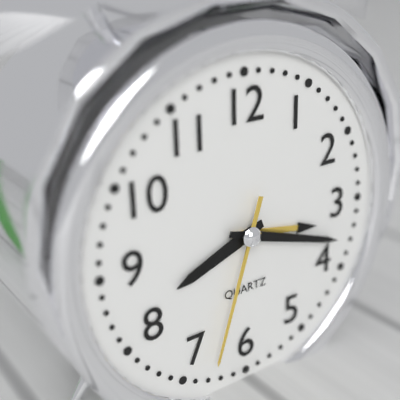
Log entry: {"hour": 8, "minute": 18, "second": 33}
